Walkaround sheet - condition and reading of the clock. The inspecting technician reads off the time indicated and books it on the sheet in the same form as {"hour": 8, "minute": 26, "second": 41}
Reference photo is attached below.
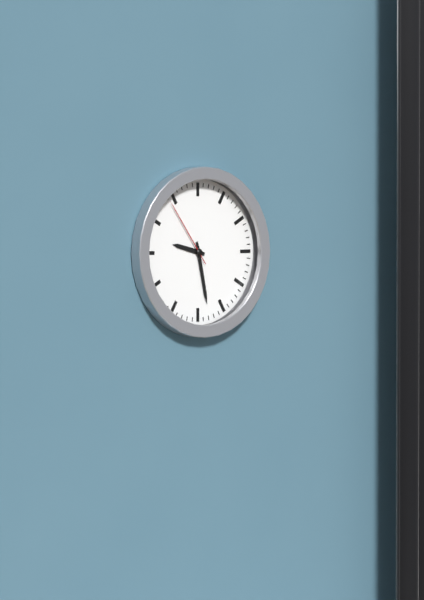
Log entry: {"hour": 9, "minute": 28, "second": 54}
